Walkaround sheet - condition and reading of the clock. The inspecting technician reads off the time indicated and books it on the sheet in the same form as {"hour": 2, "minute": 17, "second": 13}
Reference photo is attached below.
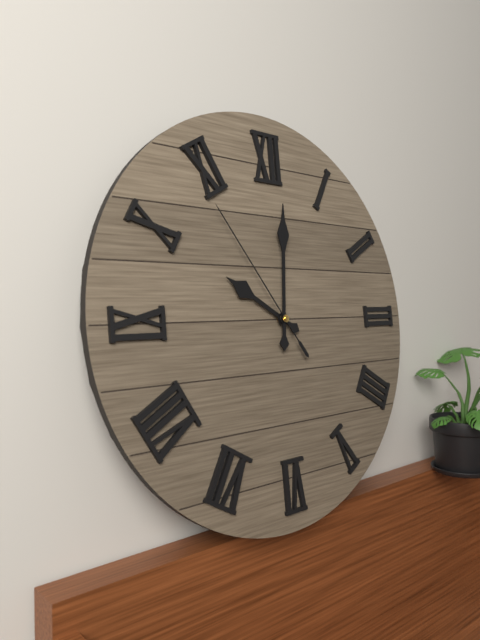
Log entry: {"hour": 10, "minute": 1, "second": 54}
